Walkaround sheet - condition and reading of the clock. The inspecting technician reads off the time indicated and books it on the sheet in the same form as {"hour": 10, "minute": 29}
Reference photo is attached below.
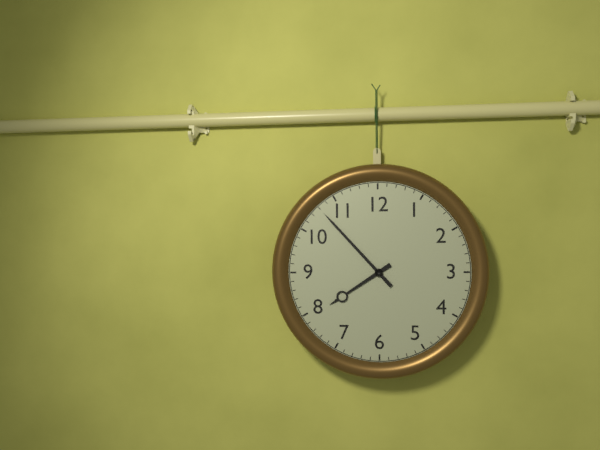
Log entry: {"hour": 7, "minute": 53}
